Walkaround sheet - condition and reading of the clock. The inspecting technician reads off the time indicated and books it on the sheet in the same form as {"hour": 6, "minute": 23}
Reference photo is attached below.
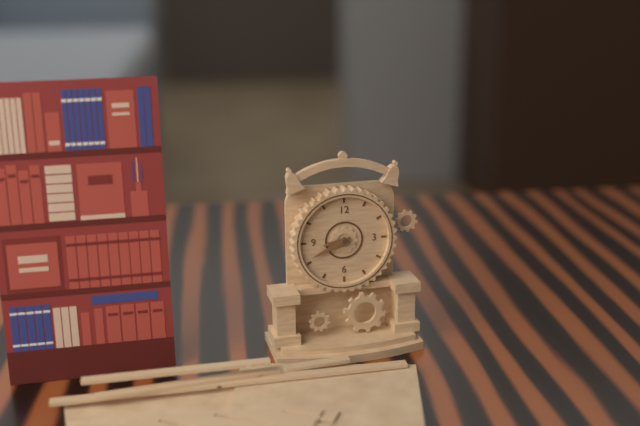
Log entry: {"hour": 8, "minute": 41}
